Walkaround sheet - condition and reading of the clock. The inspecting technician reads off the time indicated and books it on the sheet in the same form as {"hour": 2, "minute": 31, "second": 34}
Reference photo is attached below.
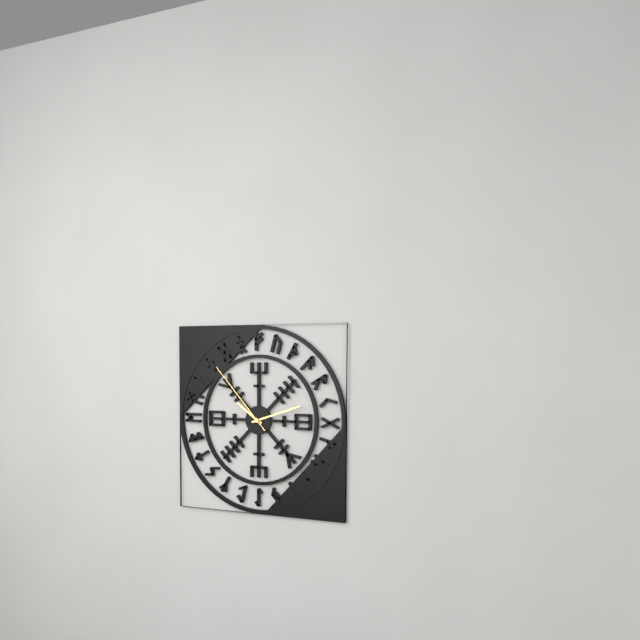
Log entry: {"hour": 10, "minute": 12, "second": 53}
